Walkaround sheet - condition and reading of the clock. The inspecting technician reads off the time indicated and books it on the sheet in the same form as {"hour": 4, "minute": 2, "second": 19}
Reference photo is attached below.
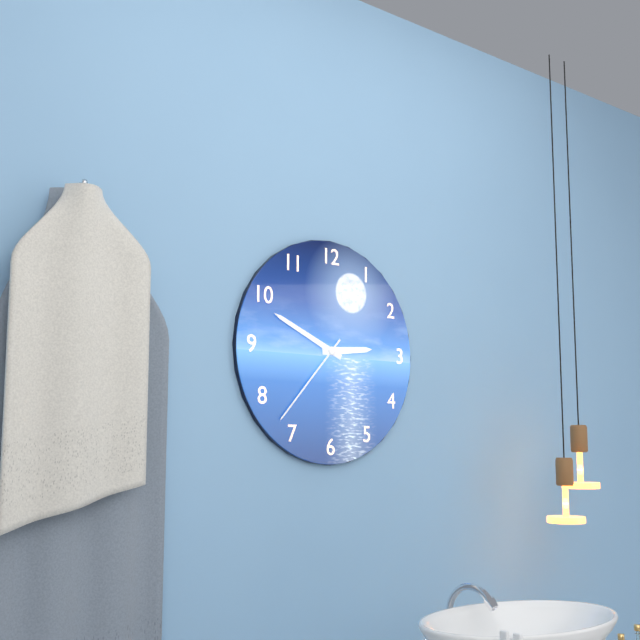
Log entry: {"hour": 2, "minute": 49, "second": 37}
